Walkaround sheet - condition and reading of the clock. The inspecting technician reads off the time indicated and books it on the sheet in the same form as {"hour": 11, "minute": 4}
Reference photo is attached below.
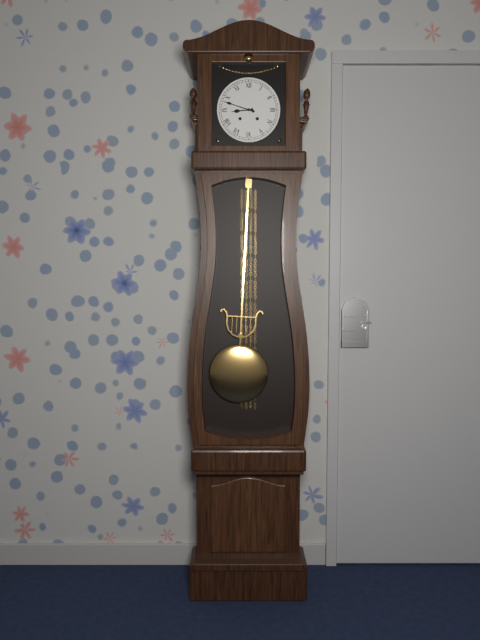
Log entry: {"hour": 8, "minute": 48}
